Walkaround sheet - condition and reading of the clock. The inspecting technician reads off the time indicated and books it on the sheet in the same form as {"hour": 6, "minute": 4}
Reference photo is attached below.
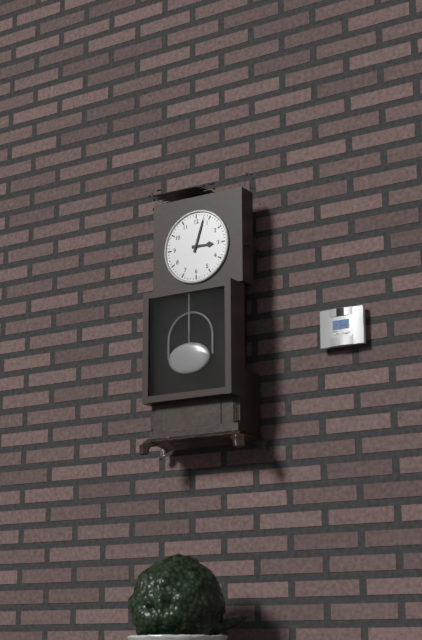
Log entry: {"hour": 3, "minute": 3}
